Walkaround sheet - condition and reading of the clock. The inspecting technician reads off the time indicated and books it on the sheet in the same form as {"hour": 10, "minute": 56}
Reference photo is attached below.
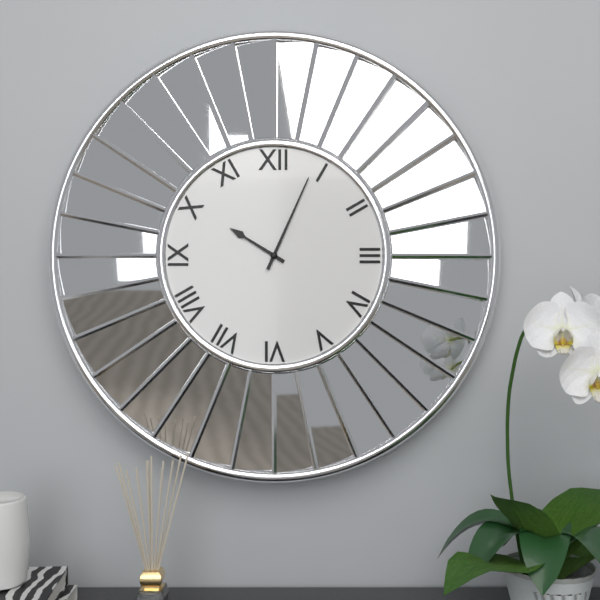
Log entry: {"hour": 10, "minute": 4}
